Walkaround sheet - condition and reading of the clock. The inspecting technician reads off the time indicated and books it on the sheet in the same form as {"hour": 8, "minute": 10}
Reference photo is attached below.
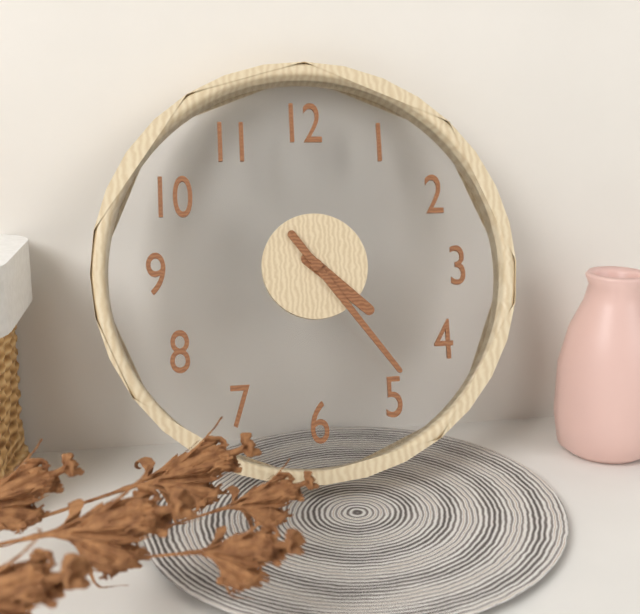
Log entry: {"hour": 4, "minute": 24}
